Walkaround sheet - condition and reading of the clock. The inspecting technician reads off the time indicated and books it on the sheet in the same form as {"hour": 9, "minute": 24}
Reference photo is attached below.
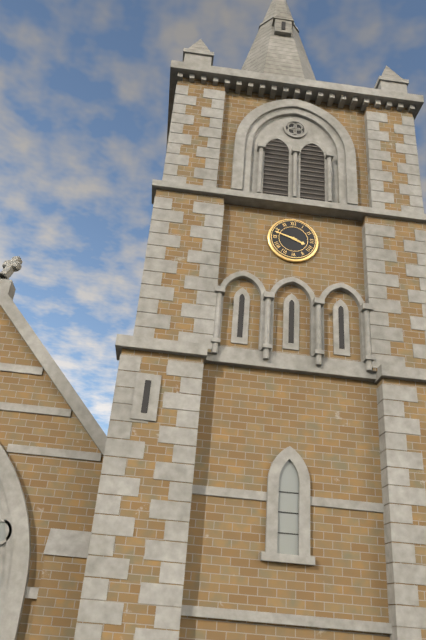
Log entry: {"hour": 3, "minute": 48}
